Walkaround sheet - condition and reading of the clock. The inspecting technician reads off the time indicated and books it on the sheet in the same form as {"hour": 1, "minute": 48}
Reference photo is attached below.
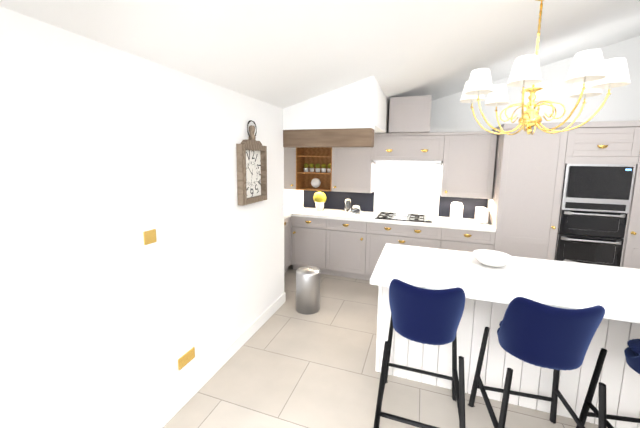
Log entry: {"hour": 10, "minute": 32}
